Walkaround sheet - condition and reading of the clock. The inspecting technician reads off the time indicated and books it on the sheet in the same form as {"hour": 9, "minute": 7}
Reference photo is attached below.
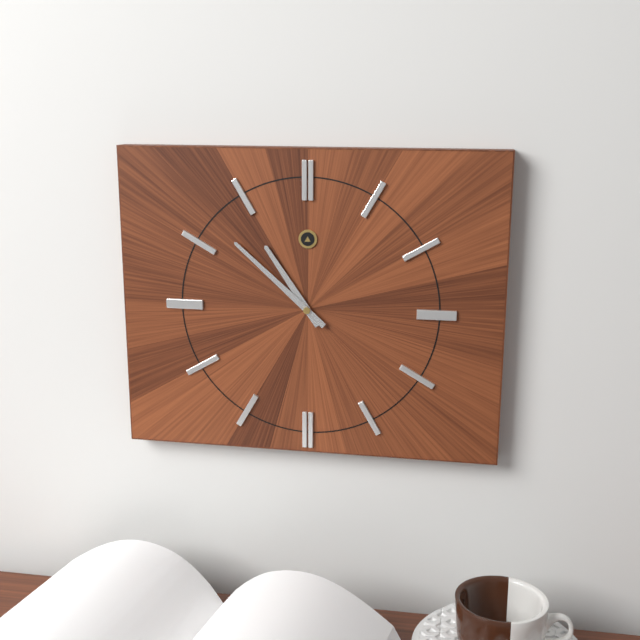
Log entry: {"hour": 10, "minute": 52}
